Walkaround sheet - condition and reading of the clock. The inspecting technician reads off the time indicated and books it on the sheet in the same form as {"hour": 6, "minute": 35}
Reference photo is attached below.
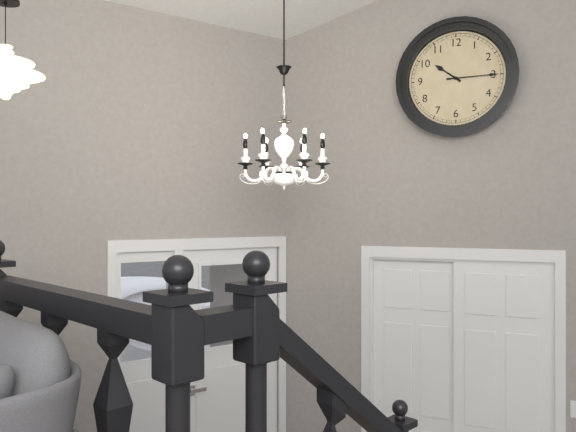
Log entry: {"hour": 10, "minute": 15}
